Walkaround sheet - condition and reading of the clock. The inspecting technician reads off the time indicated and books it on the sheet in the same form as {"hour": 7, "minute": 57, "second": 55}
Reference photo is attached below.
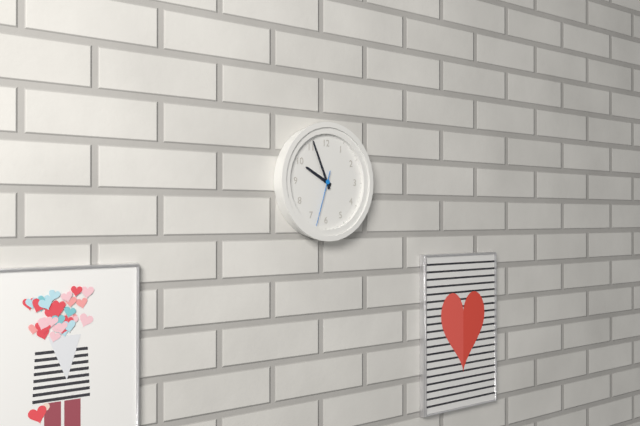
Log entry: {"hour": 9, "minute": 56, "second": 33}
